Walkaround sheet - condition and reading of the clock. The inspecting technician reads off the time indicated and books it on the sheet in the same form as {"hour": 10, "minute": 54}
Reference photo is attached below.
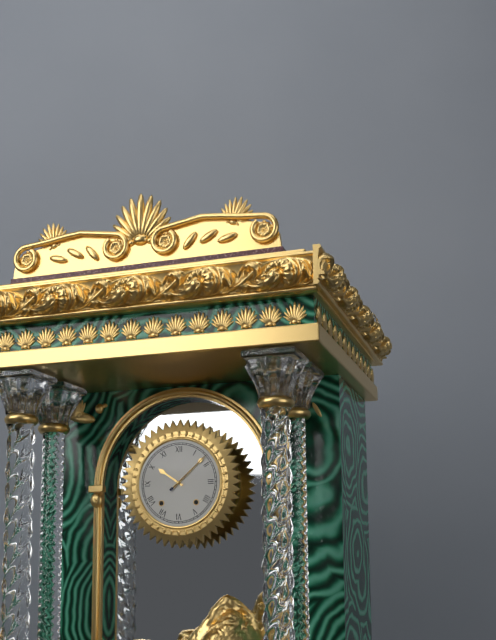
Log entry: {"hour": 10, "minute": 8}
